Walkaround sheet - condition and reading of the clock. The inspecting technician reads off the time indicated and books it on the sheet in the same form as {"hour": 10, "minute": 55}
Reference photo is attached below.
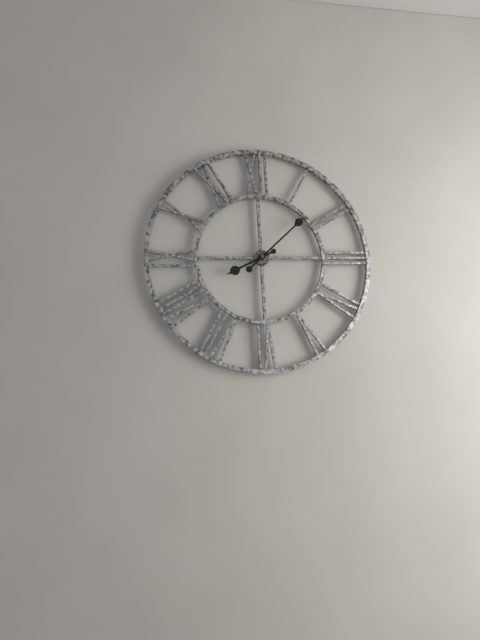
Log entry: {"hour": 8, "minute": 8}
